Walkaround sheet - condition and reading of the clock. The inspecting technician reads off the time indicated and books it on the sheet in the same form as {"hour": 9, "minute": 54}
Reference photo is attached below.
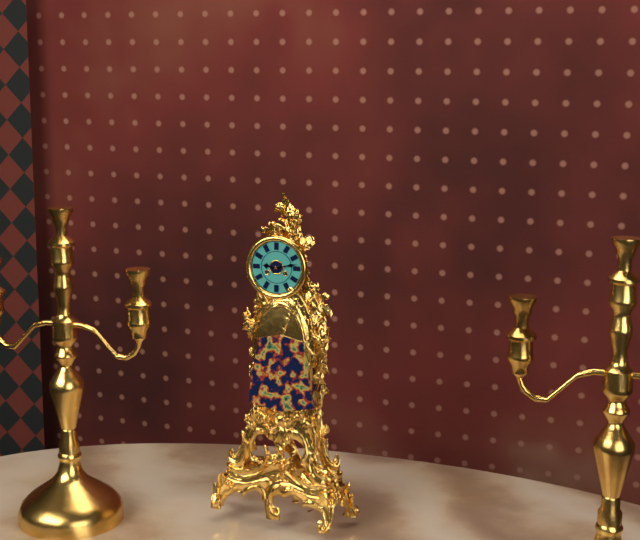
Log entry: {"hour": 9, "minute": 13}
